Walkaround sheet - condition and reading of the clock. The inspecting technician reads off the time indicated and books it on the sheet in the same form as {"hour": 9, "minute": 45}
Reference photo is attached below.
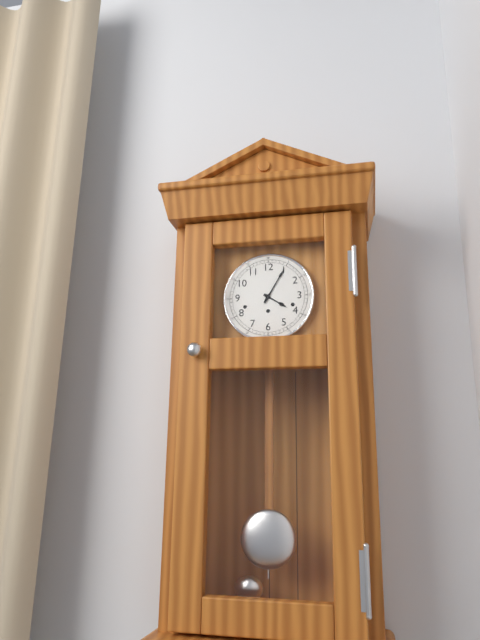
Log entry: {"hour": 4, "minute": 5}
